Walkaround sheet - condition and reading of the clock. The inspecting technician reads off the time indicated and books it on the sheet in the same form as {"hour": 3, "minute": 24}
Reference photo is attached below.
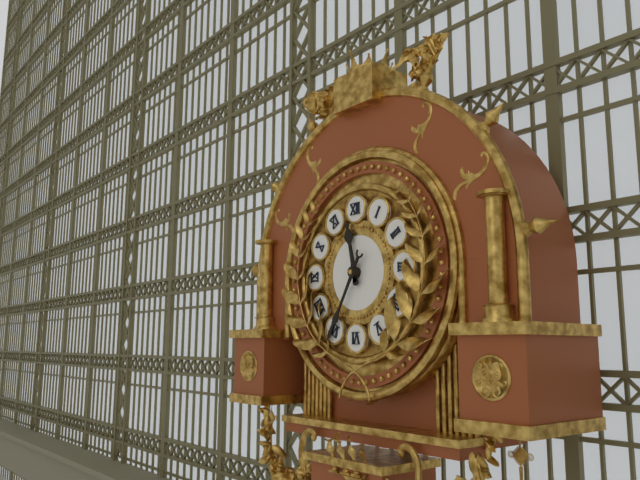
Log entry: {"hour": 11, "minute": 35}
